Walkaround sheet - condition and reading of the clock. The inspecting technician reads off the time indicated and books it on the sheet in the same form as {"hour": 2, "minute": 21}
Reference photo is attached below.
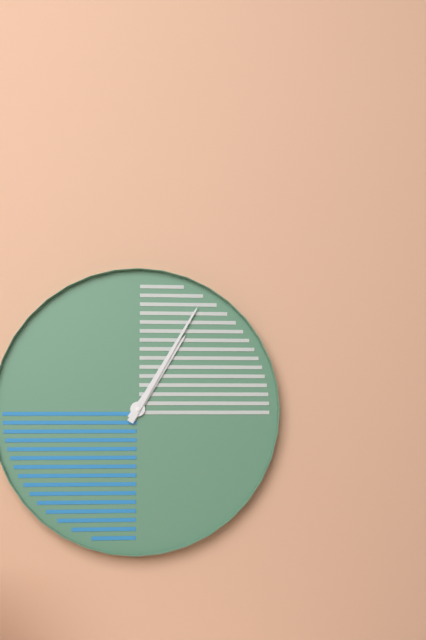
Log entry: {"hour": 1, "minute": 5}
